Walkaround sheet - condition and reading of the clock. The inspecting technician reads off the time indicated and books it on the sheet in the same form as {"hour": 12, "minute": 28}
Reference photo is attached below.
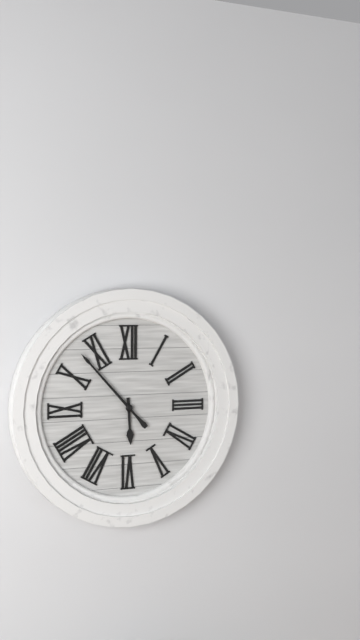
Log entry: {"hour": 5, "minute": 53}
